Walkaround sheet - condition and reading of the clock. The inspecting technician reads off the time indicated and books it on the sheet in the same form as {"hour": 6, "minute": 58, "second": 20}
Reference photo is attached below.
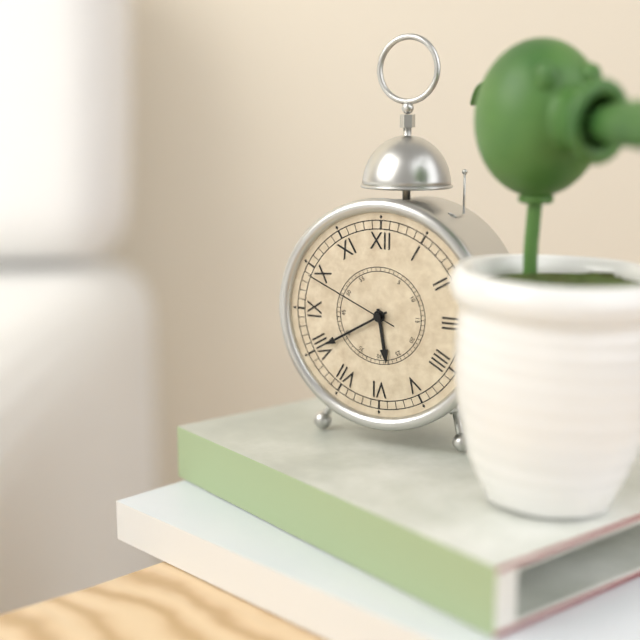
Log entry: {"hour": 5, "minute": 40, "second": 49}
